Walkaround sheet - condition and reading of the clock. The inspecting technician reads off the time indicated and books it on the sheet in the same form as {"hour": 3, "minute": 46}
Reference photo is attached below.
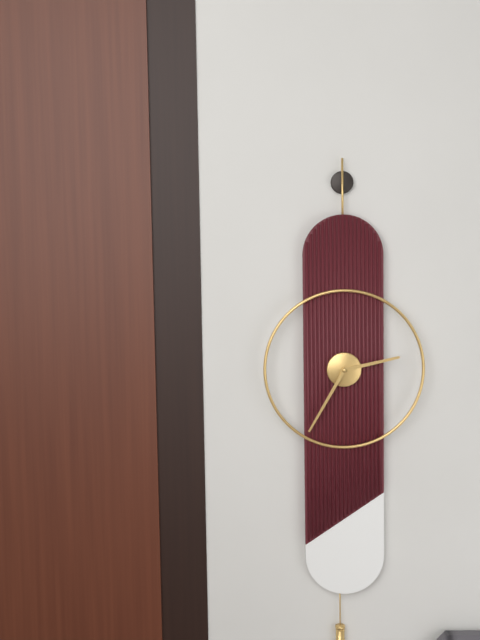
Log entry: {"hour": 2, "minute": 35}
